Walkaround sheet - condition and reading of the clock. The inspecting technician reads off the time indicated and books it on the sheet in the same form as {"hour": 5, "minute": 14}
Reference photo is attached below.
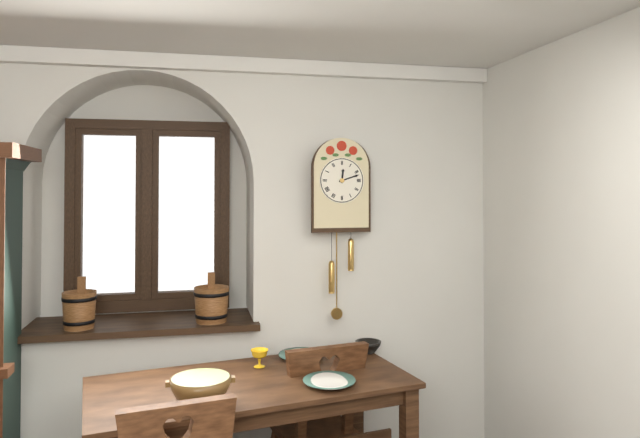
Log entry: {"hour": 12, "minute": 12}
